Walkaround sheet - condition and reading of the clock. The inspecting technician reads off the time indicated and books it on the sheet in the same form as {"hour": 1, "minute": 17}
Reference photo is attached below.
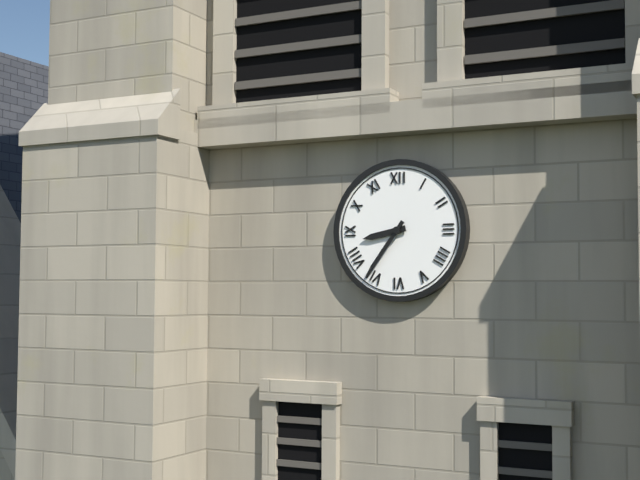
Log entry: {"hour": 8, "minute": 36}
